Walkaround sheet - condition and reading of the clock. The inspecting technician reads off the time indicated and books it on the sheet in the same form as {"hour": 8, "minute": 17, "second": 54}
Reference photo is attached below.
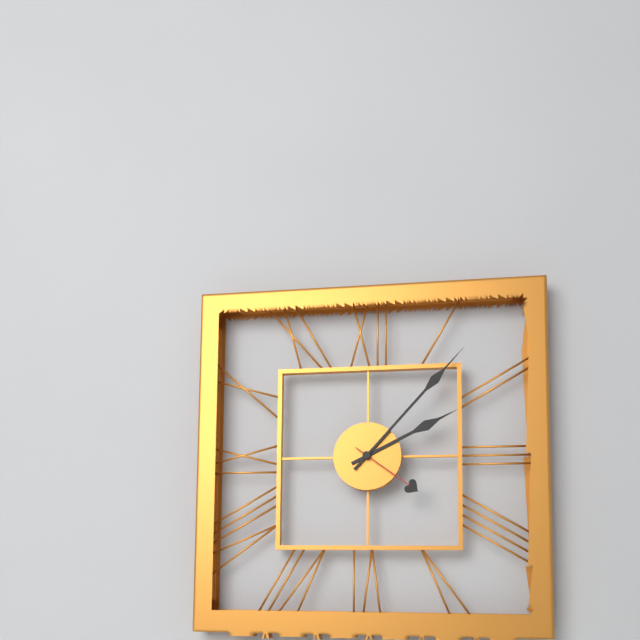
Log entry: {"hour": 2, "minute": 7, "second": 21}
